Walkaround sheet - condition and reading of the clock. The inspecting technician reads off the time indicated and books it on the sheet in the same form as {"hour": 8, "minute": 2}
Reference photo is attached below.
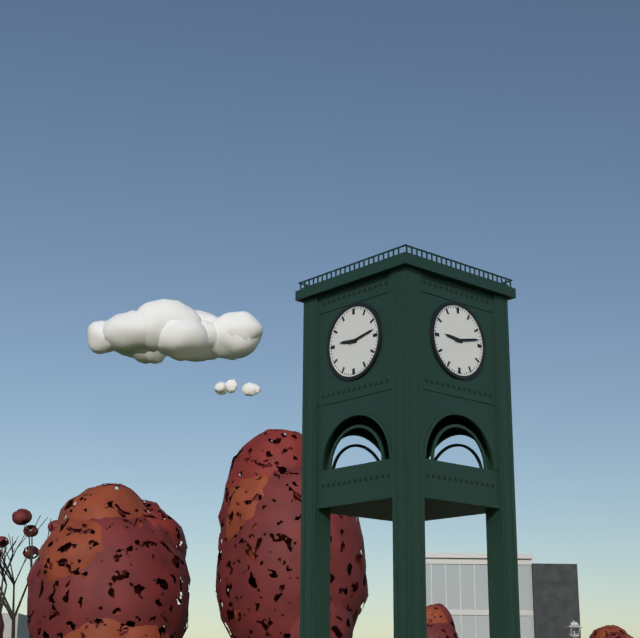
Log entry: {"hour": 9, "minute": 13}
